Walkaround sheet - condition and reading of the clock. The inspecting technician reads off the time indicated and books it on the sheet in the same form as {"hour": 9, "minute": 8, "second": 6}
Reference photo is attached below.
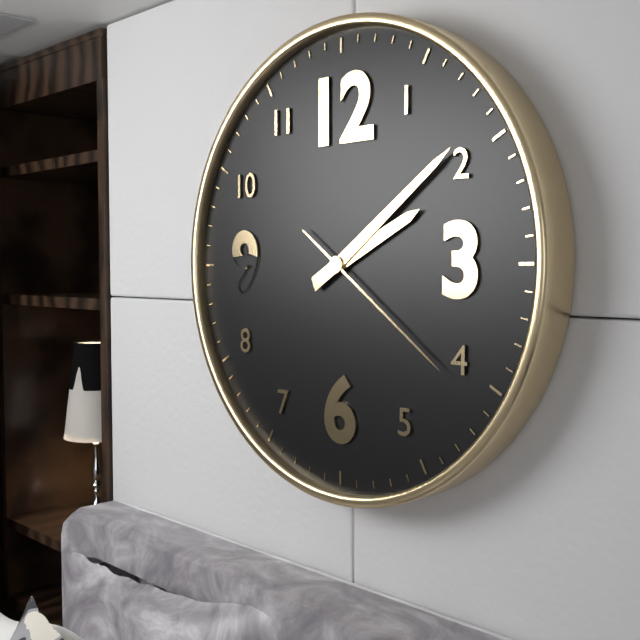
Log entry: {"hour": 2, "minute": 9, "second": 21}
